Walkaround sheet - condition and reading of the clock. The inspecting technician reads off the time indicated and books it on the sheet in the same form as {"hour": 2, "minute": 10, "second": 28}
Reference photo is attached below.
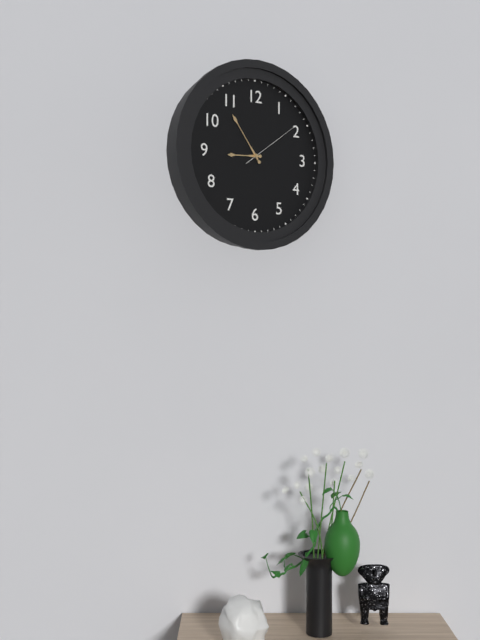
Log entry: {"hour": 8, "minute": 54, "second": 9}
